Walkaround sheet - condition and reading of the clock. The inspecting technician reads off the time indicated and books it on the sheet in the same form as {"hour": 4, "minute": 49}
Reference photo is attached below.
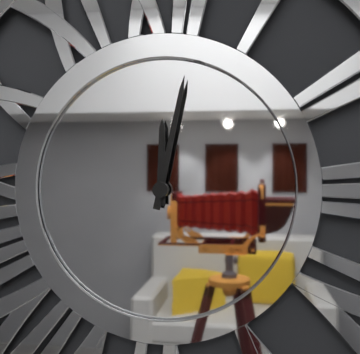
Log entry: {"hour": 12, "minute": 2}
